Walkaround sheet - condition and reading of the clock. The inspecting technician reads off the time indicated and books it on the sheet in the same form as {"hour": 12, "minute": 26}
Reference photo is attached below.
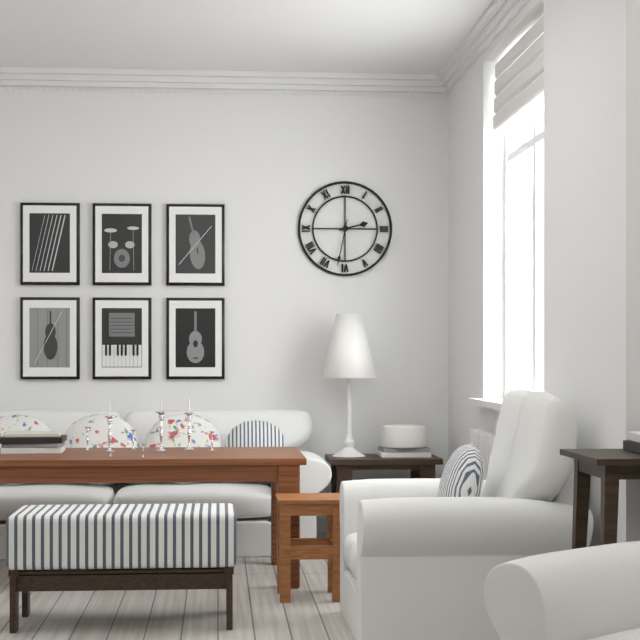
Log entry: {"hour": 2, "minute": 32}
